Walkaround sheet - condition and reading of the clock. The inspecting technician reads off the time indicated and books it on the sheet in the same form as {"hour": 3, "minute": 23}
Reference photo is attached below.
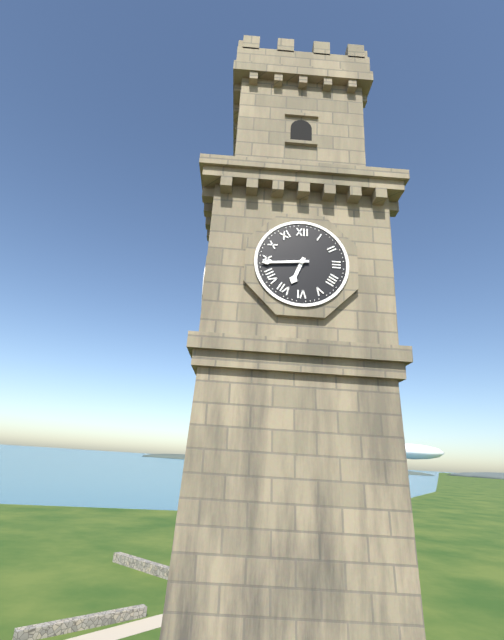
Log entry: {"hour": 6, "minute": 44}
